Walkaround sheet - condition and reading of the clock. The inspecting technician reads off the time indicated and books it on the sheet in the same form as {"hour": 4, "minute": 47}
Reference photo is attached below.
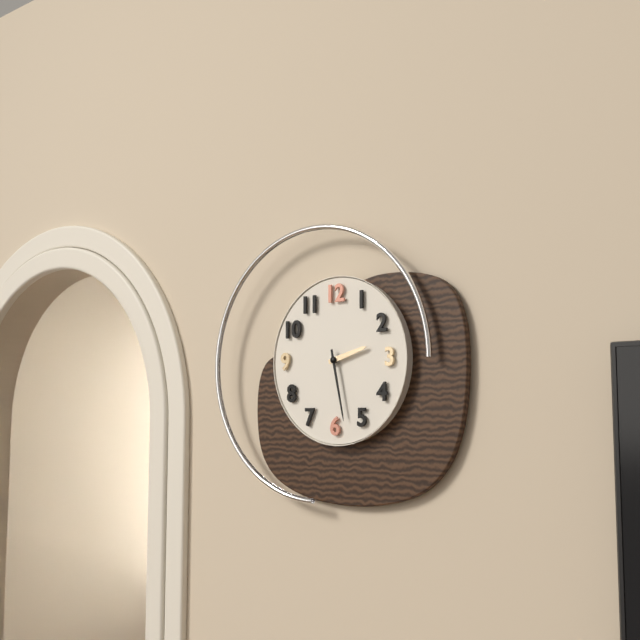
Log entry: {"hour": 2, "minute": 28}
